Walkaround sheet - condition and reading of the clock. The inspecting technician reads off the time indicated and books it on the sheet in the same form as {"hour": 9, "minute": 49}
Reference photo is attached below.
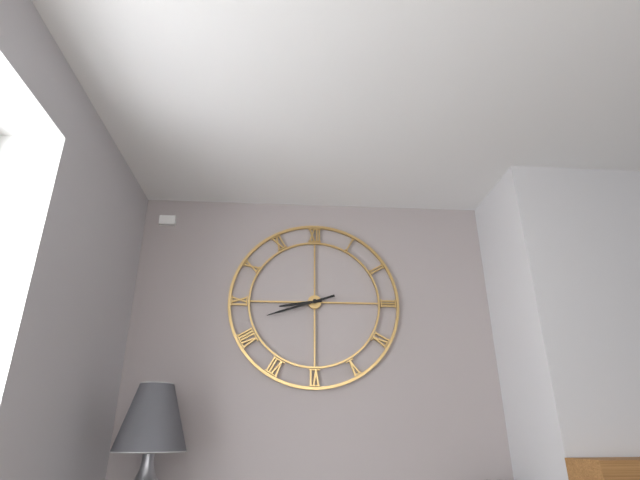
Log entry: {"hour": 8, "minute": 42}
